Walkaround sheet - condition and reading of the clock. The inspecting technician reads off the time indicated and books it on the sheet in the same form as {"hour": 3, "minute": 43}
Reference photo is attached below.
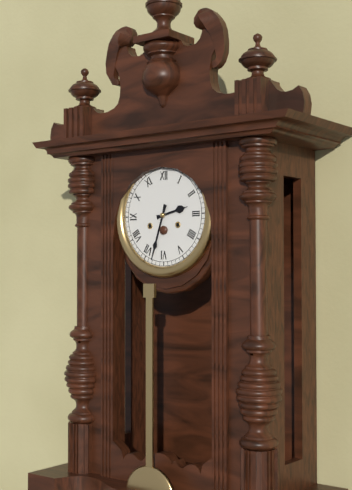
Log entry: {"hour": 2, "minute": 33}
